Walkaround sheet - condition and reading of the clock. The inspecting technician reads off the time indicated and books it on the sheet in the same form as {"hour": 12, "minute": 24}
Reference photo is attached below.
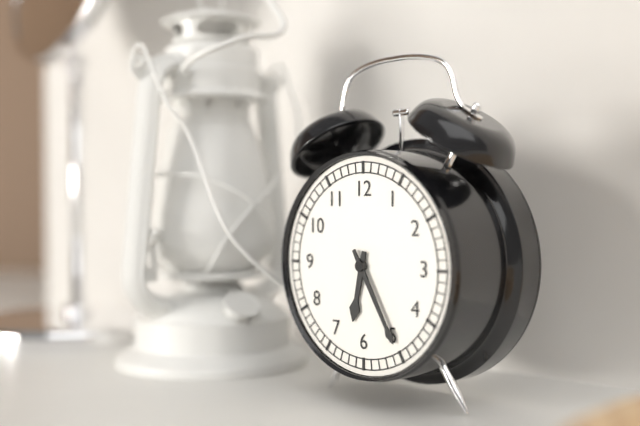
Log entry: {"hour": 6, "minute": 25}
